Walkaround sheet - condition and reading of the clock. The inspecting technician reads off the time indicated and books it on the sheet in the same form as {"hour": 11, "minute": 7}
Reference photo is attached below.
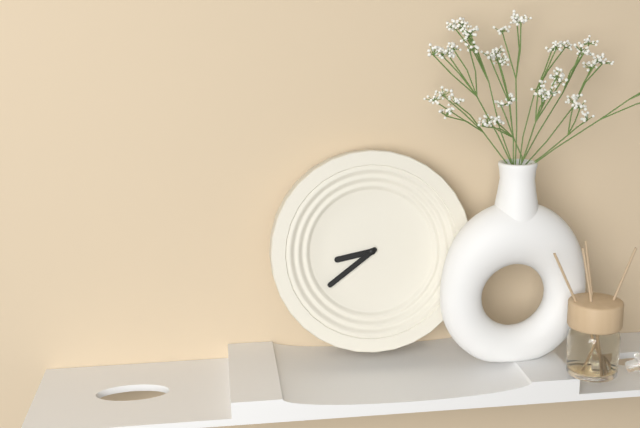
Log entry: {"hour": 8, "minute": 39}
